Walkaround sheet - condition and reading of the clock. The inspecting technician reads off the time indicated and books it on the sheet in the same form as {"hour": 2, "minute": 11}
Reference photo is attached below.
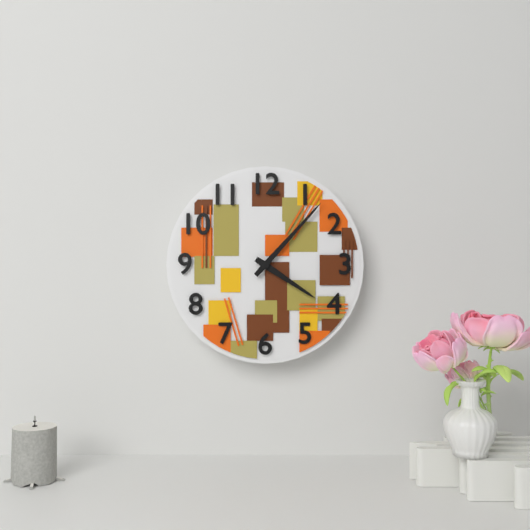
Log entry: {"hour": 4, "minute": 7}
